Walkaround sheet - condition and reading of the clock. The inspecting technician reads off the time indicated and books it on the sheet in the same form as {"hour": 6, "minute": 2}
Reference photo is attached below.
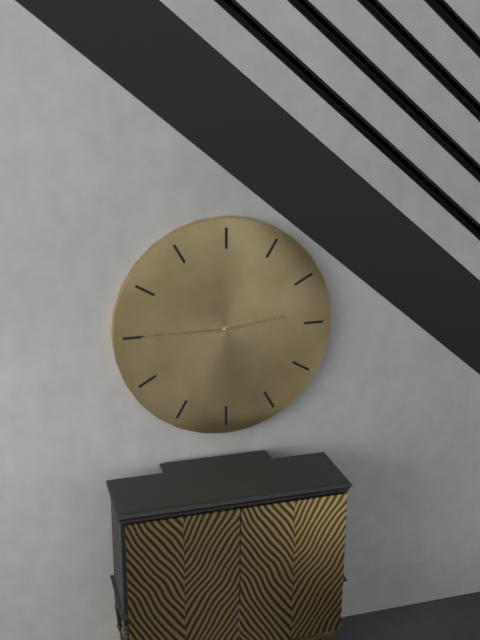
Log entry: {"hour": 2, "minute": 45}
